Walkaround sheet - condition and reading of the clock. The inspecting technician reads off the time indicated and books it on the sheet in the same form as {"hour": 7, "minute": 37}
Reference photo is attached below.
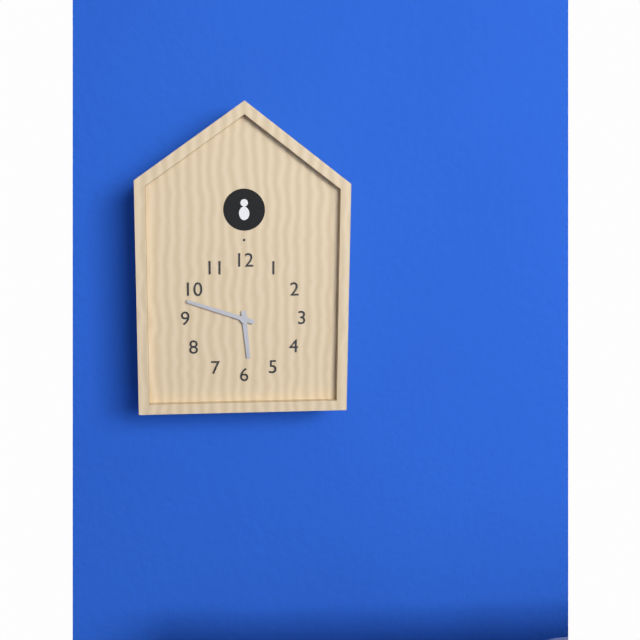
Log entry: {"hour": 5, "minute": 48}
